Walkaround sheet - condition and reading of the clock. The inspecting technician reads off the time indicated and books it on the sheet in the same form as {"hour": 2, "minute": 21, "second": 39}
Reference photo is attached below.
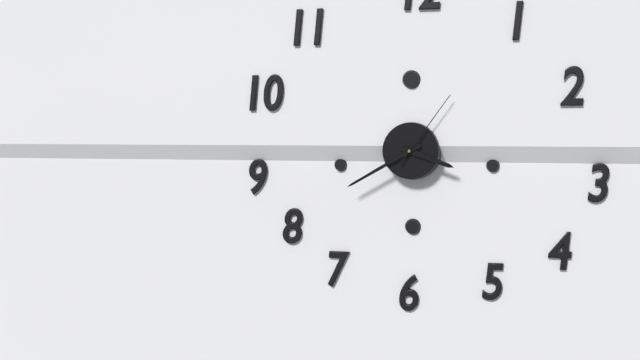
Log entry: {"hour": 3, "minute": 40, "second": 6}
